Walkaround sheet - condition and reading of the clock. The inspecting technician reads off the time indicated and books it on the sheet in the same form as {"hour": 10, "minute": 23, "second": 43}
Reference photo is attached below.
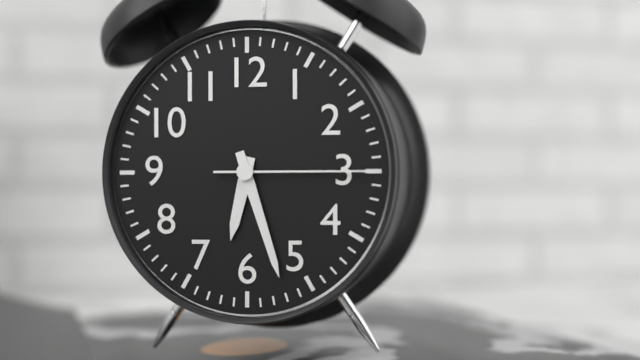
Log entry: {"hour": 6, "minute": 27, "second": 15}
